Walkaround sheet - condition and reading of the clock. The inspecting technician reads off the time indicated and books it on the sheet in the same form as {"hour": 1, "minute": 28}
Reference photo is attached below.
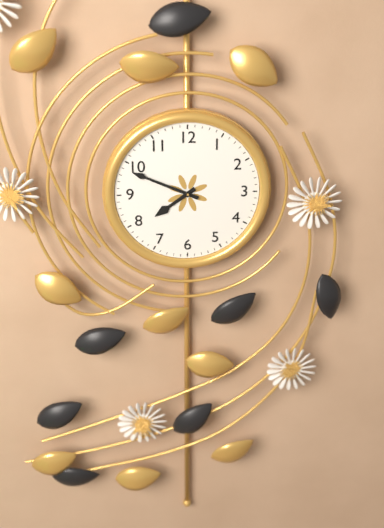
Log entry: {"hour": 7, "minute": 49}
